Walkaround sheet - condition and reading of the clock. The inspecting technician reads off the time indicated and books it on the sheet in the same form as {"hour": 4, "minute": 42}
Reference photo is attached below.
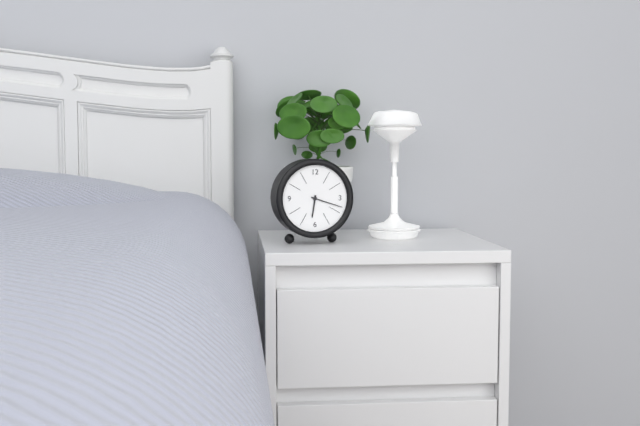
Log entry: {"hour": 6, "minute": 18}
